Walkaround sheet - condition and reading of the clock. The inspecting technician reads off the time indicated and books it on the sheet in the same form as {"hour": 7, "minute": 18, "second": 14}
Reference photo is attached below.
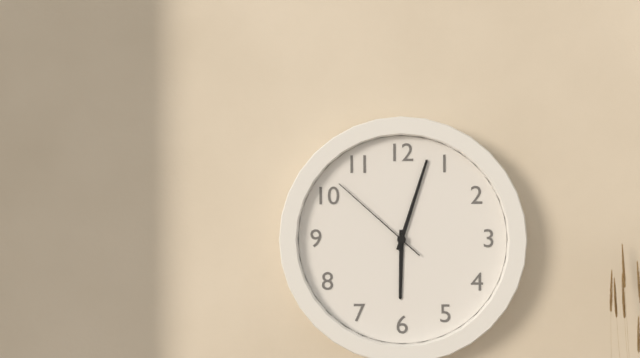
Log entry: {"hour": 6, "minute": 3, "second": 52}
